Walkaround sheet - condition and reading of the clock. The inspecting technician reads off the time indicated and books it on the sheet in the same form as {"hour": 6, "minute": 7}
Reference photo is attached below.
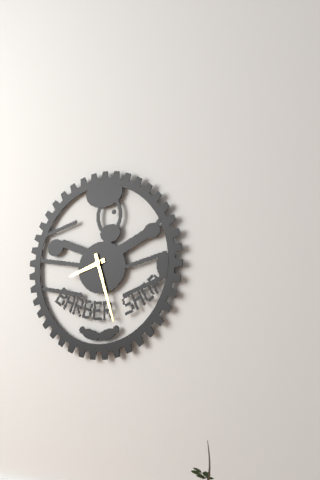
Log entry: {"hour": 8, "minute": 27}
